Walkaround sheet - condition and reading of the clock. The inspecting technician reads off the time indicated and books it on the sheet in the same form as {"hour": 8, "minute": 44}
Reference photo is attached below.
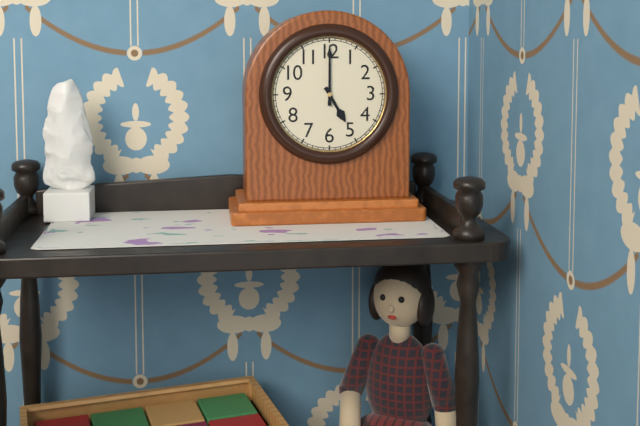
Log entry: {"hour": 5, "minute": 0}
